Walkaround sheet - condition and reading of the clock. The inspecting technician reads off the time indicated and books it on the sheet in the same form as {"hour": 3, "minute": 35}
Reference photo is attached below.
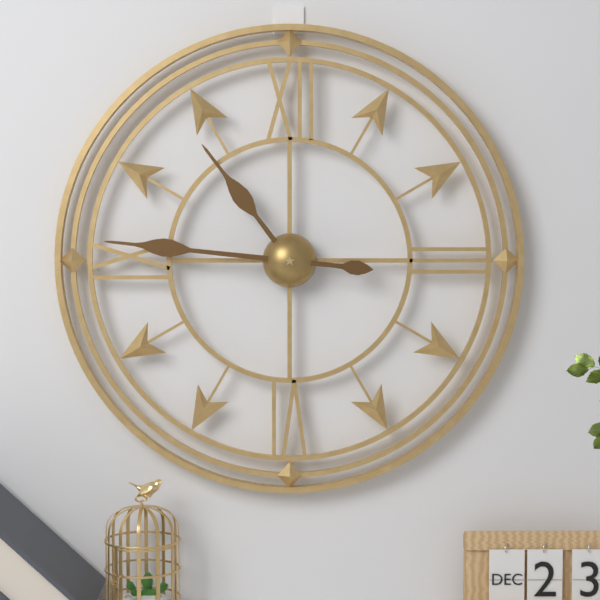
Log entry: {"hour": 10, "minute": 46}
